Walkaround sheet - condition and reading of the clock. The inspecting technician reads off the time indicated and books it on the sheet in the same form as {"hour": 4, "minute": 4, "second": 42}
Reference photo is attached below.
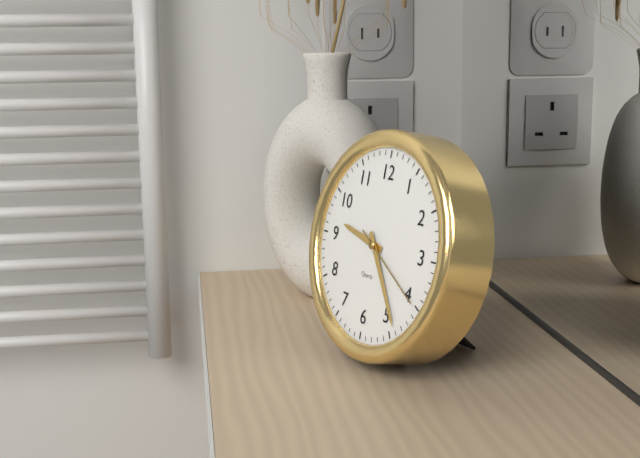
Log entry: {"hour": 9, "minute": 24, "second": 20}
